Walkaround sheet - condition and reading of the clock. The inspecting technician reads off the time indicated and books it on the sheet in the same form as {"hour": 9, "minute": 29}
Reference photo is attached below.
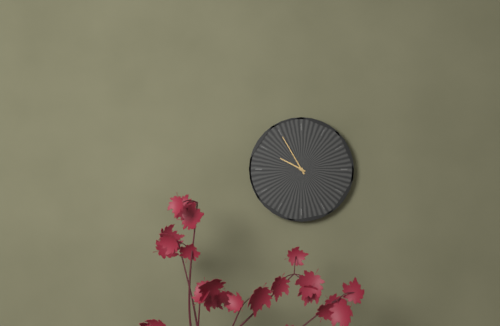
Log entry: {"hour": 9, "minute": 55}
